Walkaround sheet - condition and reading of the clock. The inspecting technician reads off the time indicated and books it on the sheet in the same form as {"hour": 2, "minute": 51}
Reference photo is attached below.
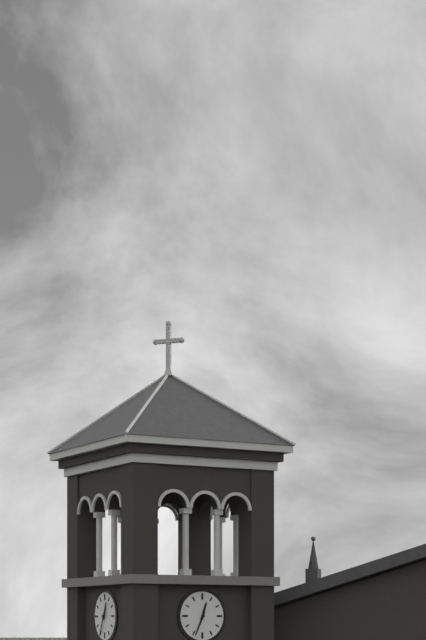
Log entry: {"hour": 12, "minute": 34}
